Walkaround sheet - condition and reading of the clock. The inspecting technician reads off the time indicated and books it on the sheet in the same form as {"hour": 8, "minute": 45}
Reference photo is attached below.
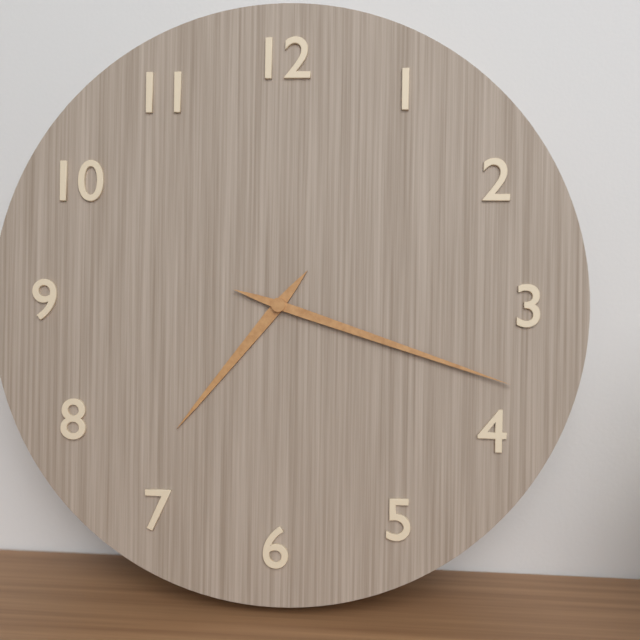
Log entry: {"hour": 7, "minute": 18}
